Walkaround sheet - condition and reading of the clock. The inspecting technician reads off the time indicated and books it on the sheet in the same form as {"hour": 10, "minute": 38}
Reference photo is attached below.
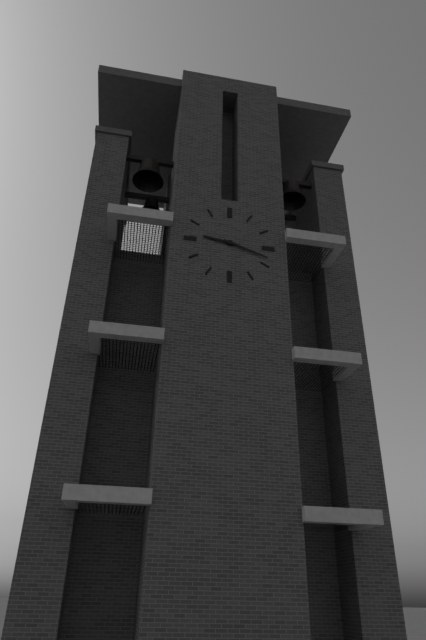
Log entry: {"hour": 9, "minute": 18}
